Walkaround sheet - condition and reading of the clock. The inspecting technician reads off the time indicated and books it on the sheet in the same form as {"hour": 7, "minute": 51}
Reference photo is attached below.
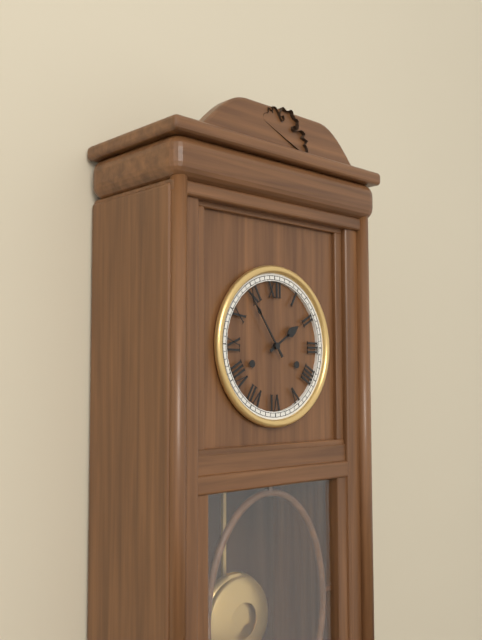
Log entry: {"hour": 1, "minute": 54}
